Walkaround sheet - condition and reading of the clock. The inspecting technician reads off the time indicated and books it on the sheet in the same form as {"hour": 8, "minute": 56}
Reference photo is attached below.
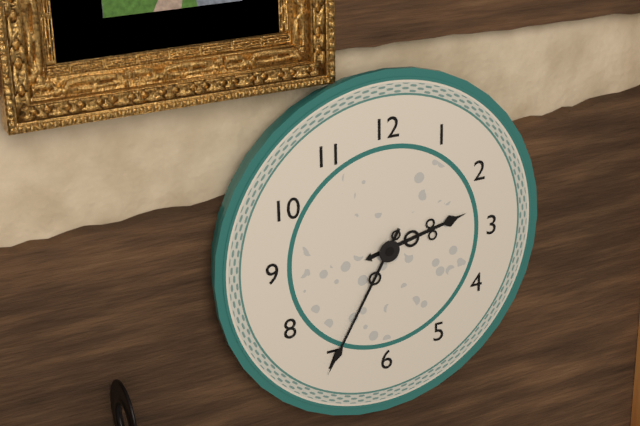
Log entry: {"hour": 2, "minute": 35}
